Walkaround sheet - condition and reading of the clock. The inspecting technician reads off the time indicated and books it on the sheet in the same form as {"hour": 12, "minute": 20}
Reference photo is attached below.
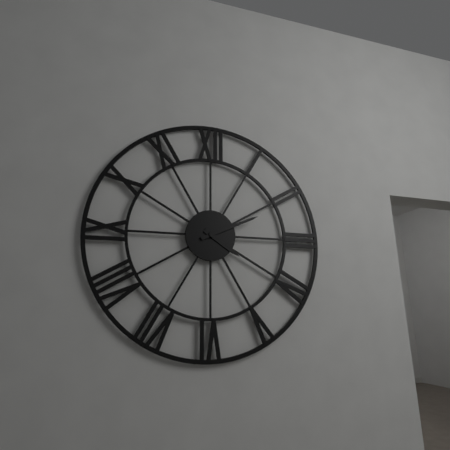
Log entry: {"hour": 4, "minute": 11}
